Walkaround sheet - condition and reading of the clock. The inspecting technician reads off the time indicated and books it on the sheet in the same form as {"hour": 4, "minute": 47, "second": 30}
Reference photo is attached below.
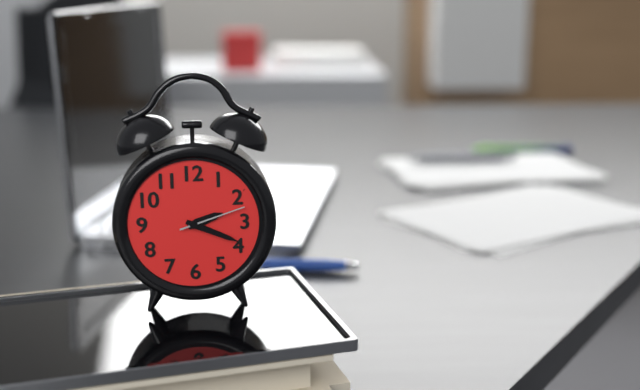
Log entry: {"hour": 2, "minute": 19, "second": 12}
